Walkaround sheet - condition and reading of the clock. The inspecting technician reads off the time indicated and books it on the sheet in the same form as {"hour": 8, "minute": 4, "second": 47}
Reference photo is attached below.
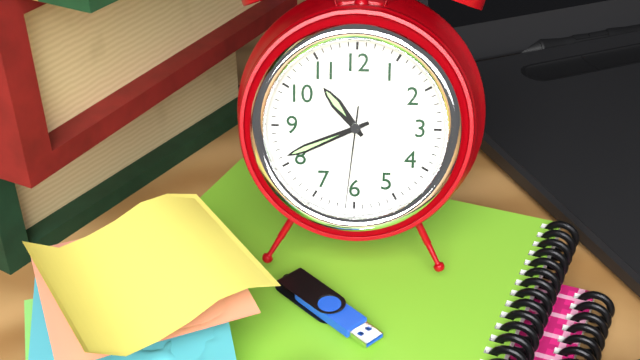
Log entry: {"hour": 10, "minute": 41, "second": 31}
